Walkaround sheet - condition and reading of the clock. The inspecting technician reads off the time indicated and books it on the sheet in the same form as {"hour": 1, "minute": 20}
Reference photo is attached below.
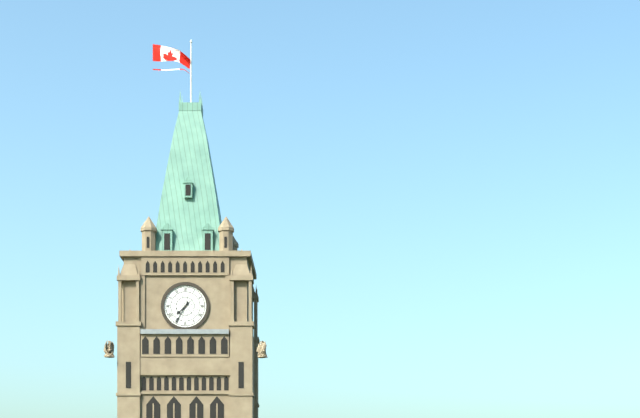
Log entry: {"hour": 7, "minute": 35}
